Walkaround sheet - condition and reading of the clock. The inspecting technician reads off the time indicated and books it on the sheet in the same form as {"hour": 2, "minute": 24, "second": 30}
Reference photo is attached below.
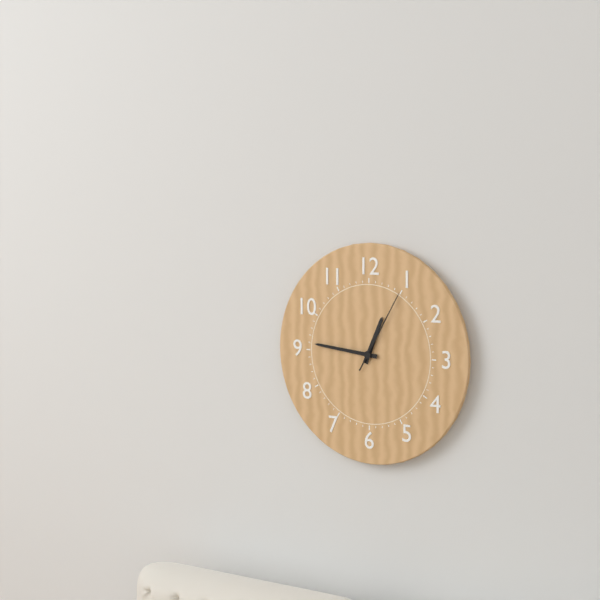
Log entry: {"hour": 12, "minute": 46, "second": 5}
